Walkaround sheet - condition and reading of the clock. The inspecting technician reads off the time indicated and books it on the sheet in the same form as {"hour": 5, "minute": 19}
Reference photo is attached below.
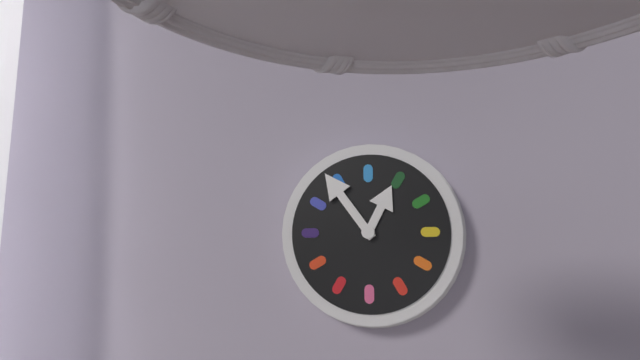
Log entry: {"hour": 12, "minute": 54}
